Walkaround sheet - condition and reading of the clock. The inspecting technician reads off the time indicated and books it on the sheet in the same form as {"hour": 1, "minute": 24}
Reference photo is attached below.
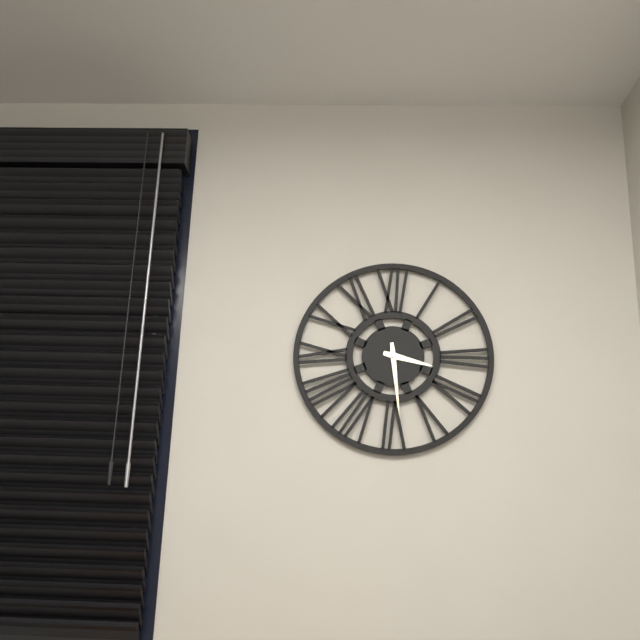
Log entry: {"hour": 3, "minute": 29}
